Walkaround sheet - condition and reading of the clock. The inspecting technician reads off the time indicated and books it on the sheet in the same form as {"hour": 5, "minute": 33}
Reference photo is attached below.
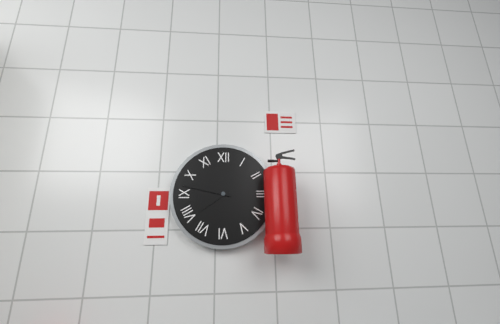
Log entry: {"hour": 7, "minute": 47}
